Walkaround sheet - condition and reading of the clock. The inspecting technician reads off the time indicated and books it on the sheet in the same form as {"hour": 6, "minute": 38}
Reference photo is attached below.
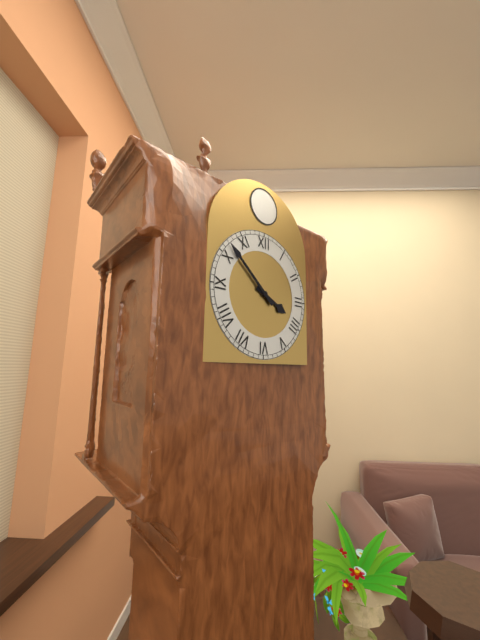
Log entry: {"hour": 3, "minute": 52}
